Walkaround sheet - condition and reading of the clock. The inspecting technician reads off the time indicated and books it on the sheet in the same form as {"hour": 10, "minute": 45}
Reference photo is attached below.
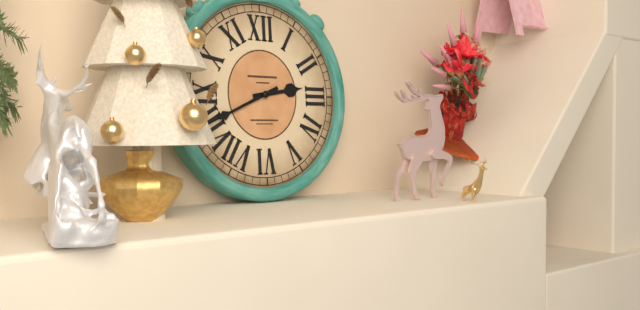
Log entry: {"hour": 2, "minute": 41}
